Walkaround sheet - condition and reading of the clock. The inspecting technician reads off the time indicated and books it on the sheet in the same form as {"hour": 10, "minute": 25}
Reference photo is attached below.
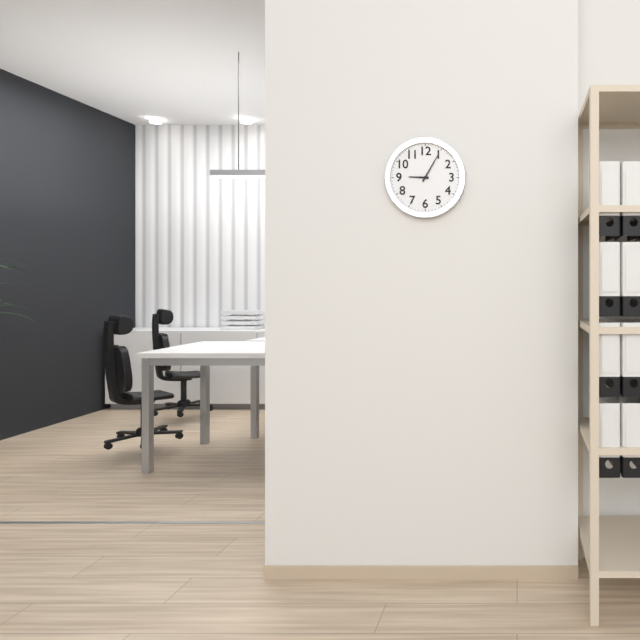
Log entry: {"hour": 9, "minute": 5}
